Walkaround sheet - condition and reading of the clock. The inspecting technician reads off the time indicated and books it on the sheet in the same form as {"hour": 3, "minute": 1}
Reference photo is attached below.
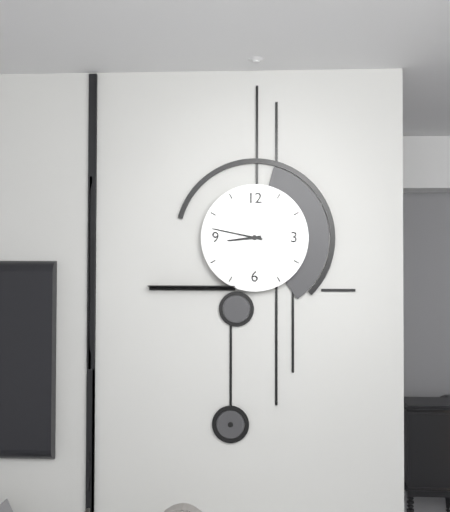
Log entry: {"hour": 8, "minute": 47}
